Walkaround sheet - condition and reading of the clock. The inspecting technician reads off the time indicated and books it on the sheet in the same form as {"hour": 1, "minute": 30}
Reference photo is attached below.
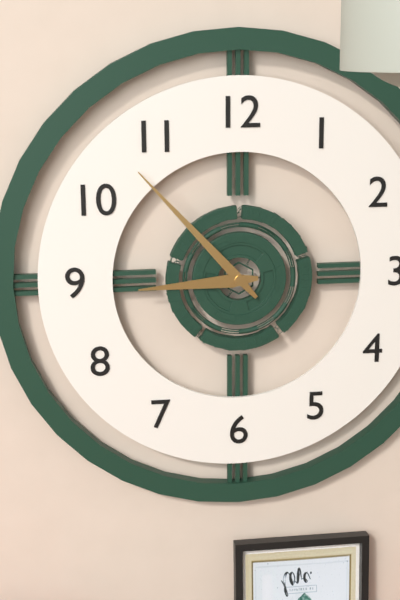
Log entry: {"hour": 8, "minute": 53}
